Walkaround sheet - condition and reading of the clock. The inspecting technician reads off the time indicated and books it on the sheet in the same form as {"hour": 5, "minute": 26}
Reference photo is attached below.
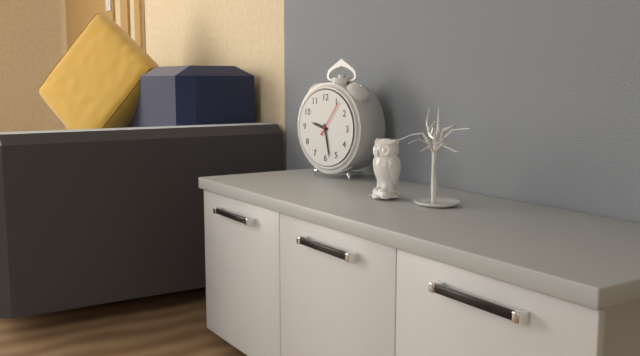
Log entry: {"hour": 9, "minute": 28}
